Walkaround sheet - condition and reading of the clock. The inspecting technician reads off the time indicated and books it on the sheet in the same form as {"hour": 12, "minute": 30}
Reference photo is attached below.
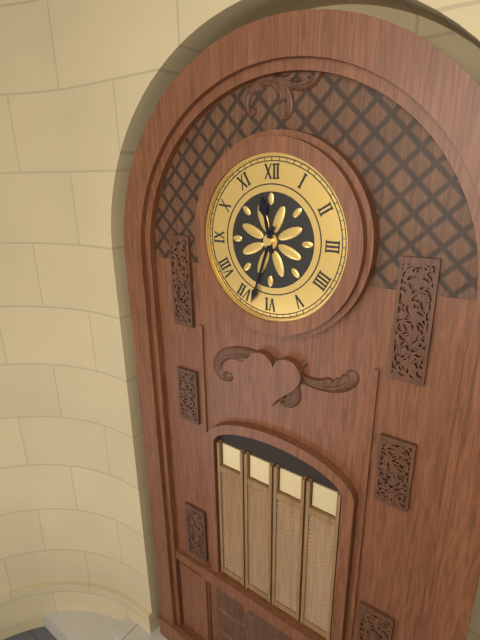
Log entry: {"hour": 11, "minute": 33}
